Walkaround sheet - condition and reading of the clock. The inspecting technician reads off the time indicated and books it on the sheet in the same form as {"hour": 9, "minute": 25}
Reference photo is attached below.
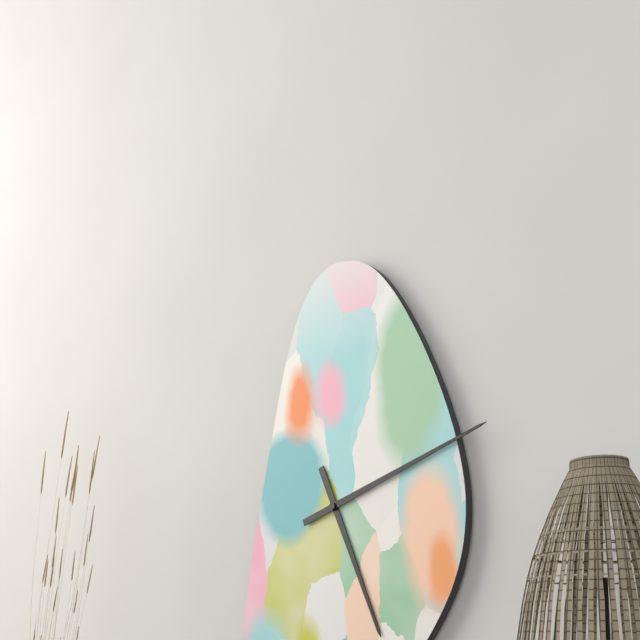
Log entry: {"hour": 5, "minute": 12}
